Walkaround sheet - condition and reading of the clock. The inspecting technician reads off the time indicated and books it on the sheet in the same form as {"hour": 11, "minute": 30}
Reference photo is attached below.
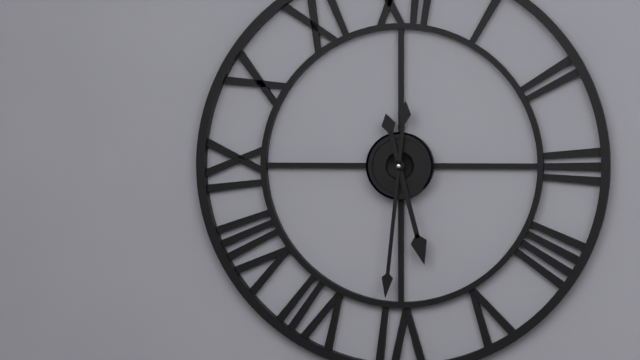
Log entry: {"hour": 5, "minute": 31}
